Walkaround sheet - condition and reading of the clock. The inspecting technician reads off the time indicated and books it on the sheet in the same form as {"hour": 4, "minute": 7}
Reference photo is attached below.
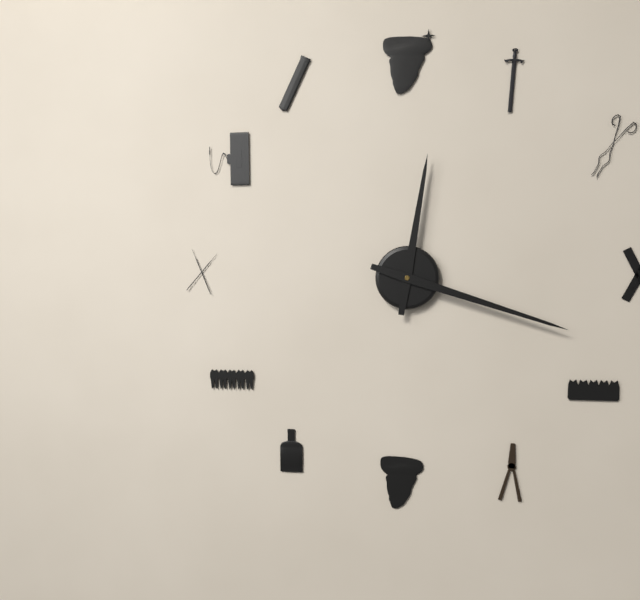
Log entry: {"hour": 12, "minute": 18}
